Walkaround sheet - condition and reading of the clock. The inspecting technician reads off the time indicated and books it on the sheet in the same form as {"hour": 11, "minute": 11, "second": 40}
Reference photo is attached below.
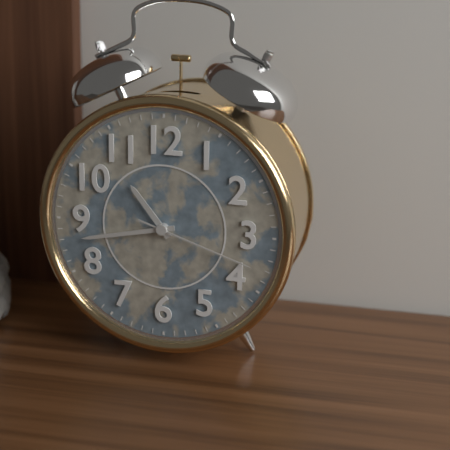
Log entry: {"hour": 10, "minute": 43, "second": 18}
